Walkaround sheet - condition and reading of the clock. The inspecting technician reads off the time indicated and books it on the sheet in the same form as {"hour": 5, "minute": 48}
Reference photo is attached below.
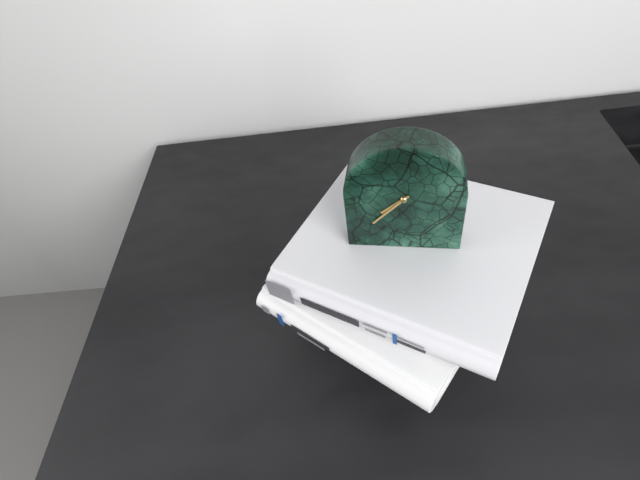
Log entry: {"hour": 7, "minute": 37}
